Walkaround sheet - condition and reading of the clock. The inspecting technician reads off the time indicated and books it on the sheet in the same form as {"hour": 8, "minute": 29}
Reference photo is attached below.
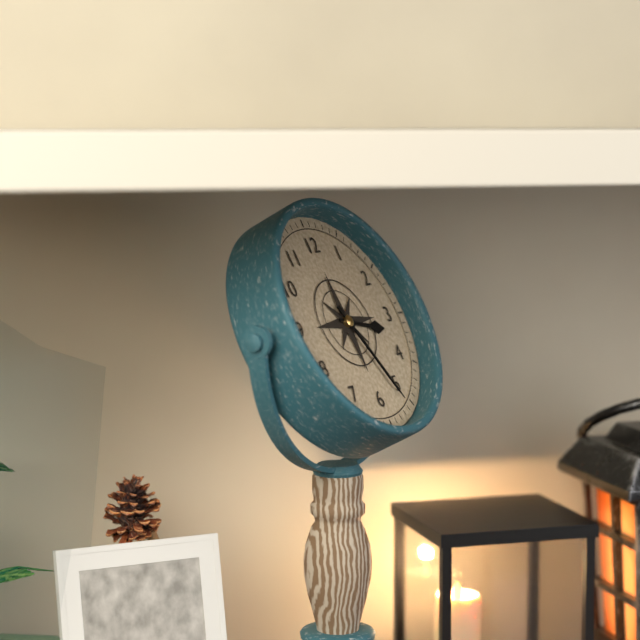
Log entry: {"hour": 3, "minute": 26}
